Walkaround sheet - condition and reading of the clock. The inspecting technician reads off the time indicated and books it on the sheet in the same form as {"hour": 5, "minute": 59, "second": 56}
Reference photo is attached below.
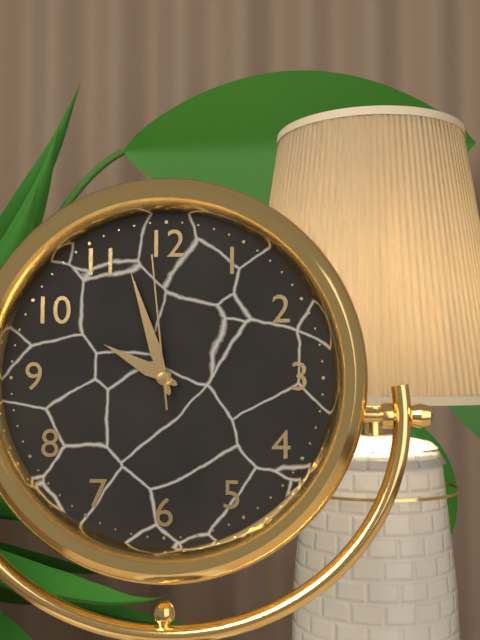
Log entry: {"hour": 9, "minute": 57, "second": 59}
